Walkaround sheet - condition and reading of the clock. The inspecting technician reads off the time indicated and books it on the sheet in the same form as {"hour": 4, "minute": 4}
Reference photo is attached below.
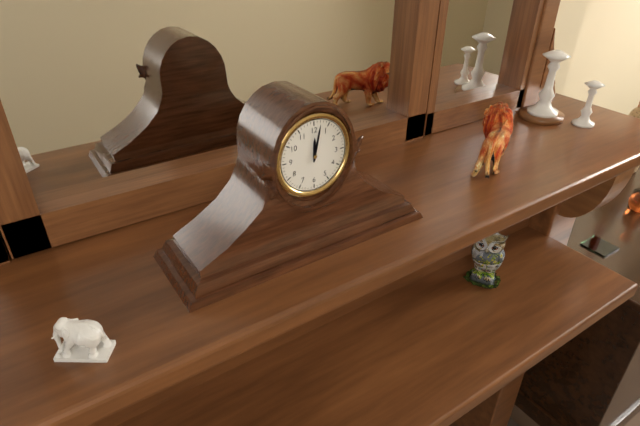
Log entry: {"hour": 12, "minute": 2}
